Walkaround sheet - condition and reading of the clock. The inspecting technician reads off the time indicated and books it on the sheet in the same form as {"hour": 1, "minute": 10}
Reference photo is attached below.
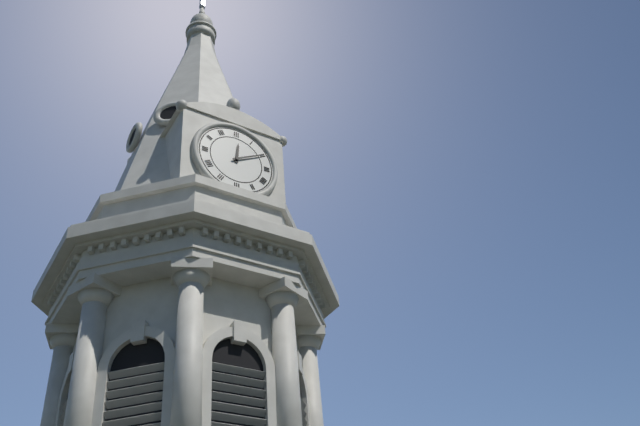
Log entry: {"hour": 12, "minute": 10}
